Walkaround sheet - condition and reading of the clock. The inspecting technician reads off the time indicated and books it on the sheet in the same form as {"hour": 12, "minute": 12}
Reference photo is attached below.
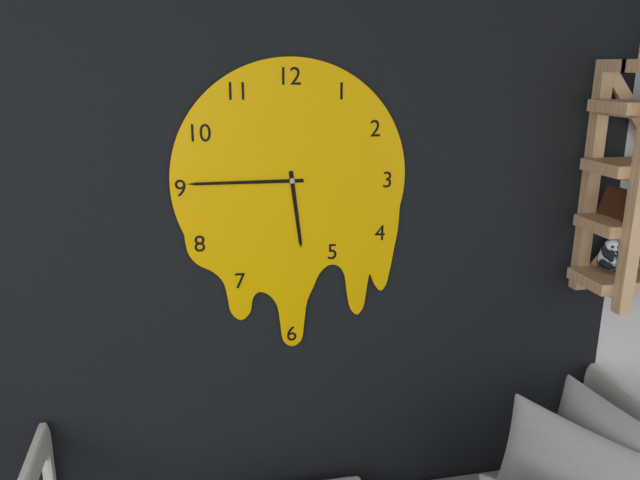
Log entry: {"hour": 5, "minute": 45}
